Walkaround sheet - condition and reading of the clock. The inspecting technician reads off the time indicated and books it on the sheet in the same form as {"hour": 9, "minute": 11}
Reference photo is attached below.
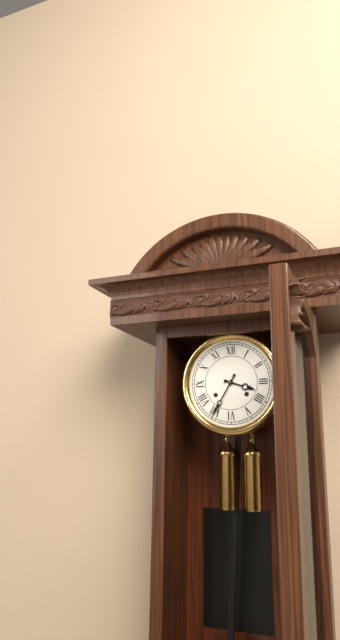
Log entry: {"hour": 3, "minute": 35}
